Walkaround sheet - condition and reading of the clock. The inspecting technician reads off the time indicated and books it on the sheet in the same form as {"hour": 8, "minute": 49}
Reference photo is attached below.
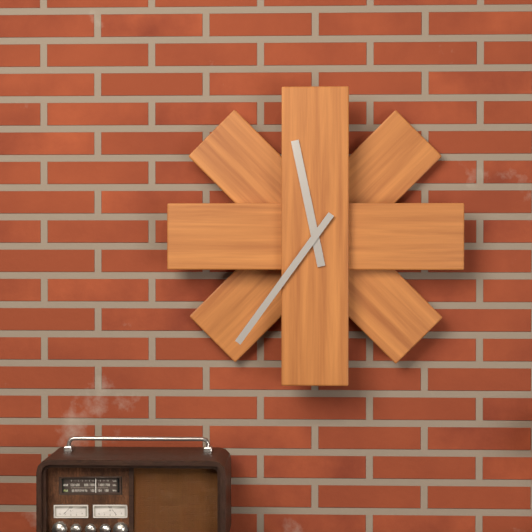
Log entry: {"hour": 11, "minute": 36}
